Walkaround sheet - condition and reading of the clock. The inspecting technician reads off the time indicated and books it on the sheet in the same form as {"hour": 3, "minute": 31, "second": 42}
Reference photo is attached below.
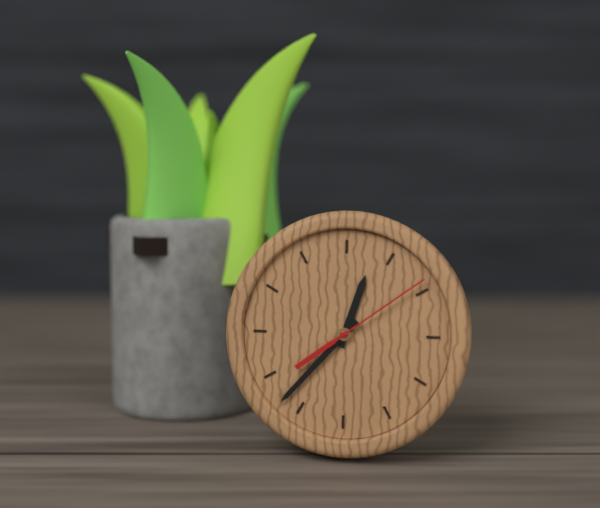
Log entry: {"hour": 12, "minute": 37, "second": 9}
